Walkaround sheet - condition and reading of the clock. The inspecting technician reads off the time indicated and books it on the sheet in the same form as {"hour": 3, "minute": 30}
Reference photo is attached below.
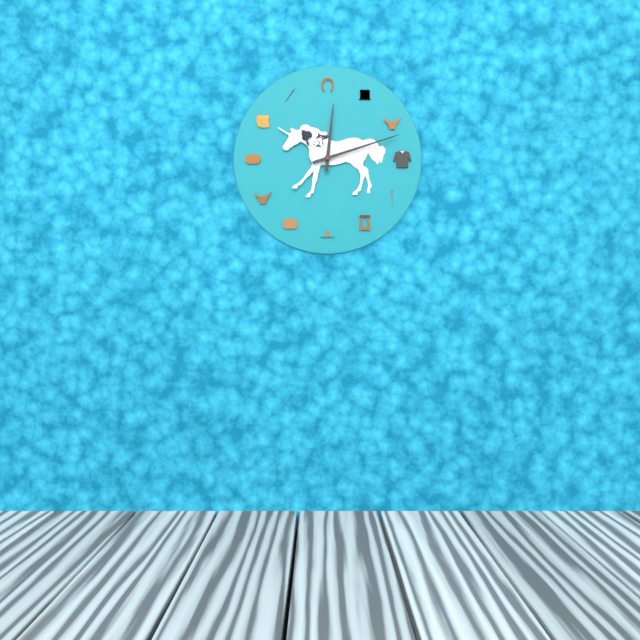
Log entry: {"hour": 12, "minute": 12}
